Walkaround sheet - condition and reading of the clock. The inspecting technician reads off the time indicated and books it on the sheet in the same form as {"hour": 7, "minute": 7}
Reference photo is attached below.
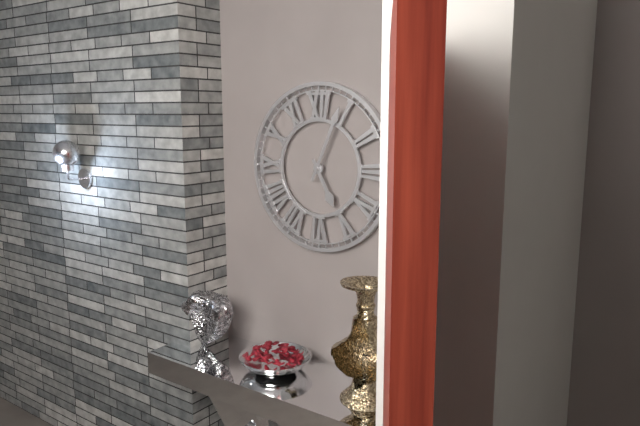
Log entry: {"hour": 5, "minute": 4}
